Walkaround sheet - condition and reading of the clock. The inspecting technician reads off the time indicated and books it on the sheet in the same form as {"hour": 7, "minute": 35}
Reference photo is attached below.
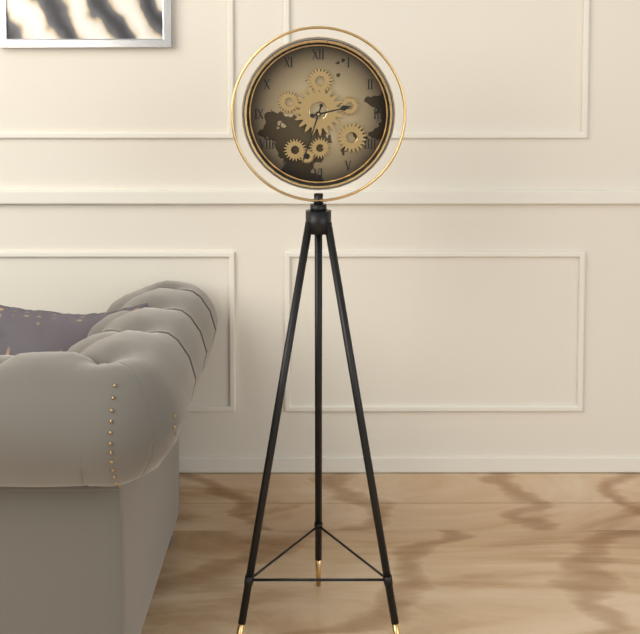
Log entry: {"hour": 2, "minute": 33}
